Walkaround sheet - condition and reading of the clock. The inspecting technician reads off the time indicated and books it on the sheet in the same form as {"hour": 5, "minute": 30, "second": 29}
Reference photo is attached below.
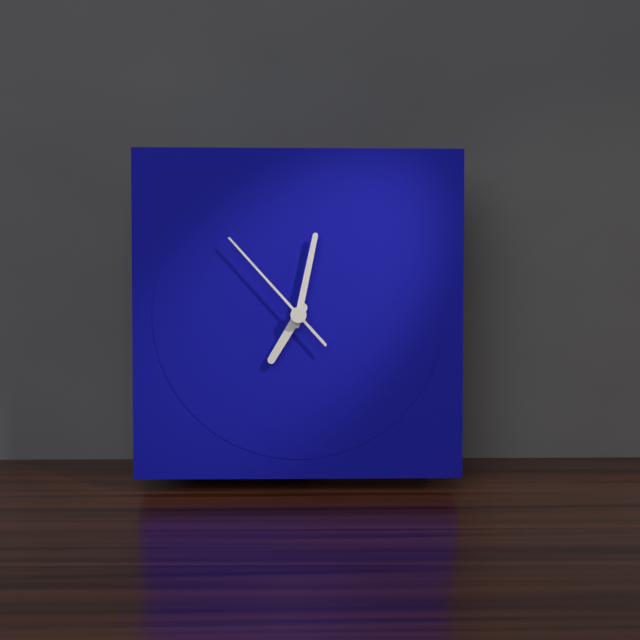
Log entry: {"hour": 7, "minute": 2, "second": 53}
